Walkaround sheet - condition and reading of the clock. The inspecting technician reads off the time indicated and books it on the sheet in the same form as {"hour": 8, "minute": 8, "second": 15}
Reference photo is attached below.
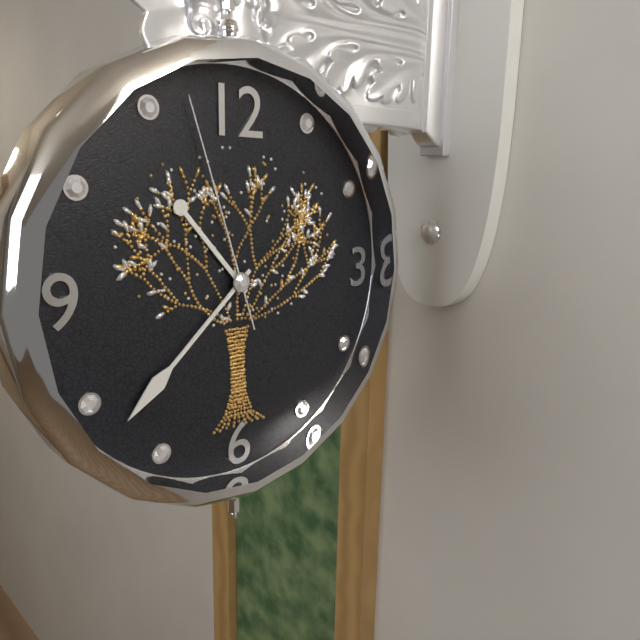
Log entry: {"hour": 10, "minute": 38, "second": 57}
